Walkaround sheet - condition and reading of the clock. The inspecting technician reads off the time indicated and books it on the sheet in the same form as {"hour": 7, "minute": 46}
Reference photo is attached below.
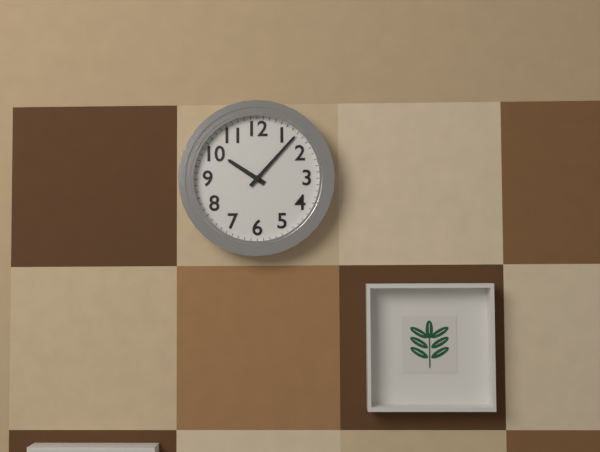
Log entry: {"hour": 10, "minute": 7}
